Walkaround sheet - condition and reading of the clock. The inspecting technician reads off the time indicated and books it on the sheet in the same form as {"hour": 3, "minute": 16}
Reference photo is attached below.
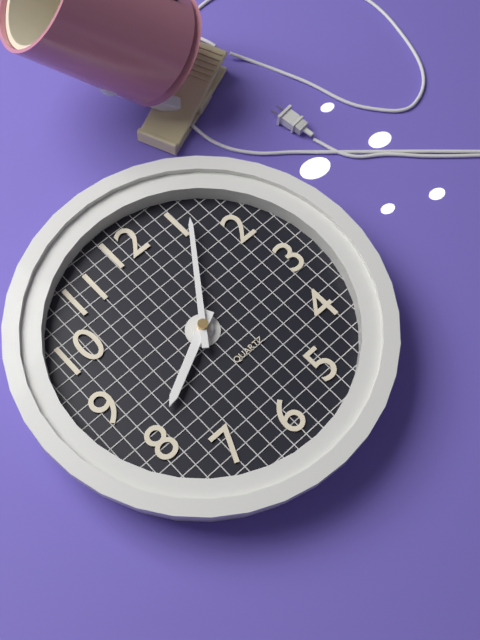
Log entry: {"hour": 8, "minute": 6}
